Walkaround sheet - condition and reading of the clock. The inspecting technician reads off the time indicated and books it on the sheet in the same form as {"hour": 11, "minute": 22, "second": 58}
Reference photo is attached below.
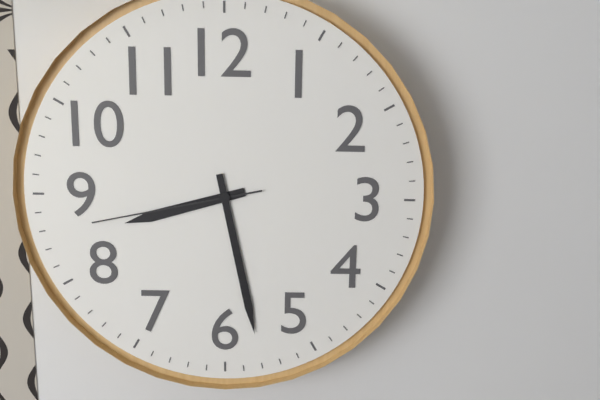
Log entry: {"hour": 8, "minute": 28, "second": 43}
